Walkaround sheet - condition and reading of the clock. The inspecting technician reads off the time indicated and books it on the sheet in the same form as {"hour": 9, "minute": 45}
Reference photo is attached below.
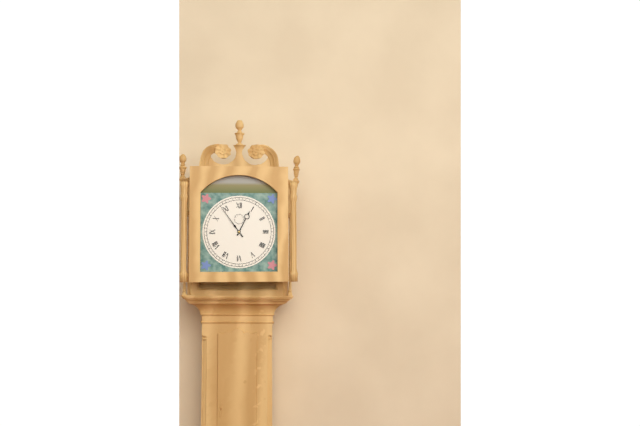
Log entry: {"hour": 12, "minute": 54}
